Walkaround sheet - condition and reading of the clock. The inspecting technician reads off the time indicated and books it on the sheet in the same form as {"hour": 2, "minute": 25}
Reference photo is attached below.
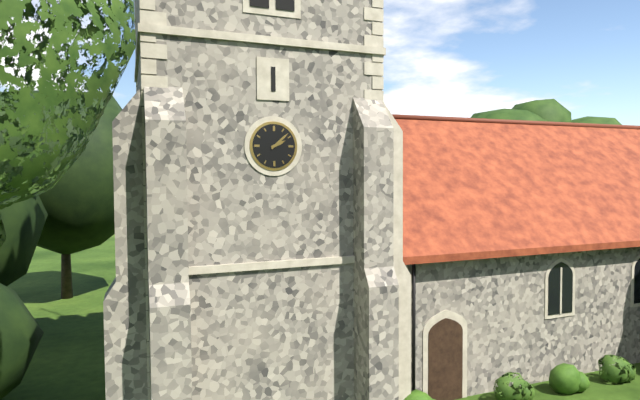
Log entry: {"hour": 2, "minute": 8}
